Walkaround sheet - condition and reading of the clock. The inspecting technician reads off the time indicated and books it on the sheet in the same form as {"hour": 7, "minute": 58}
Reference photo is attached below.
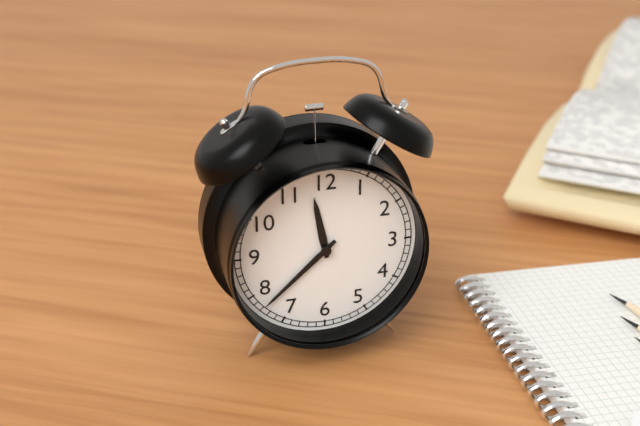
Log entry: {"hour": 11, "minute": 38}
